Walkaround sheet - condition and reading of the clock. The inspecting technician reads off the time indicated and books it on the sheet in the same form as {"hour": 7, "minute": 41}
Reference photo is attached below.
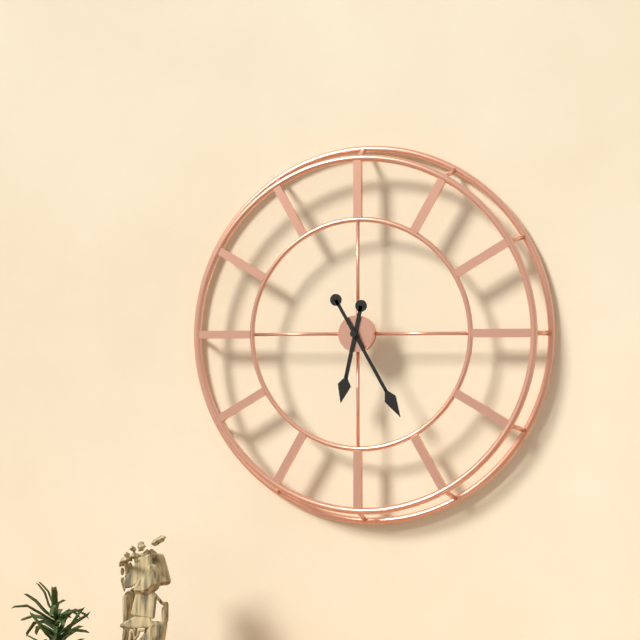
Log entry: {"hour": 6, "minute": 25}
